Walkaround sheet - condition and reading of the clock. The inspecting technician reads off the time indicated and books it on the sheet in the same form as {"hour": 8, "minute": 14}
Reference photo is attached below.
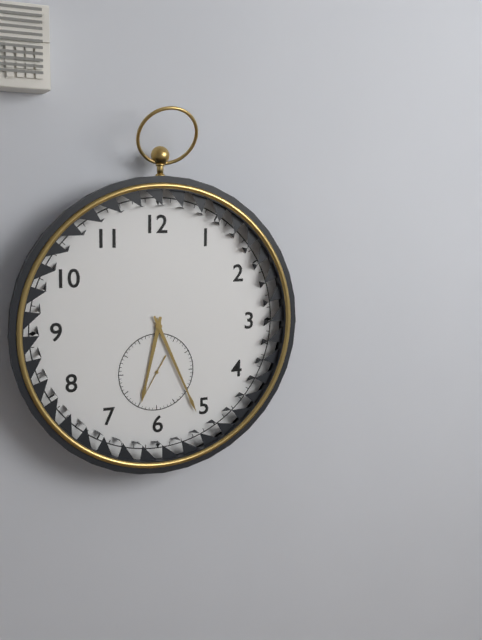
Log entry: {"hour": 6, "minute": 26}
